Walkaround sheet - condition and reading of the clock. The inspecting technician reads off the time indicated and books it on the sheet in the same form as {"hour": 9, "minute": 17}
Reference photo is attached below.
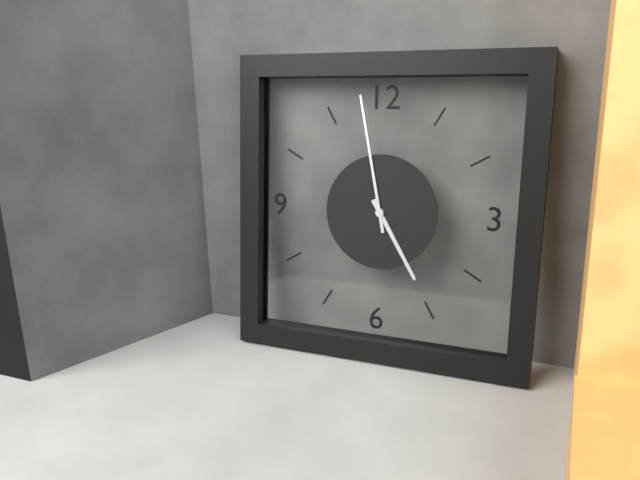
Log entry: {"hour": 4, "minute": 58}
